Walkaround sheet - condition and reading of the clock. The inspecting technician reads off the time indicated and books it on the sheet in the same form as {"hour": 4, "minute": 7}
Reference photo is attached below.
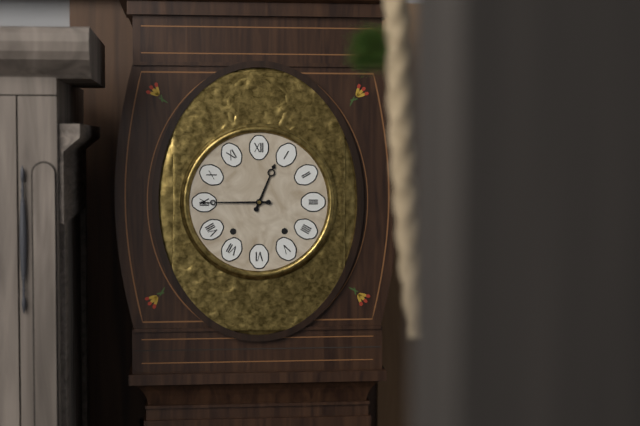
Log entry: {"hour": 12, "minute": 45}
